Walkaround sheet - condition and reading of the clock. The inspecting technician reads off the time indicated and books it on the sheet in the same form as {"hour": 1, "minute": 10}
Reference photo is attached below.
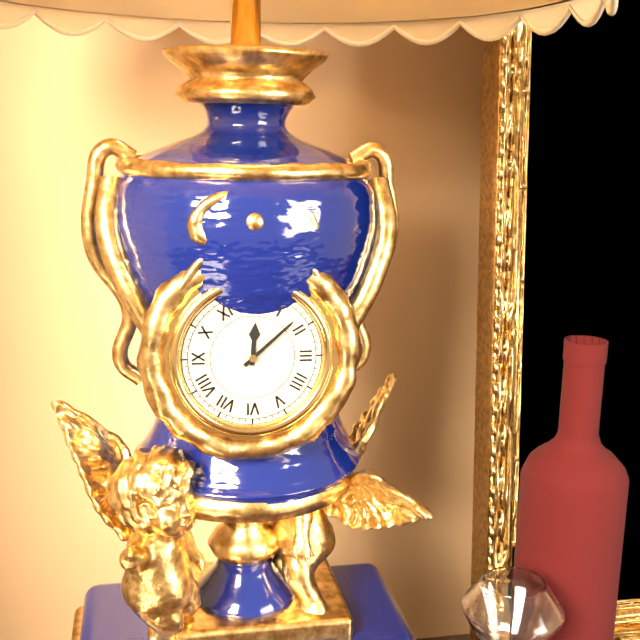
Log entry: {"hour": 12, "minute": 8}
